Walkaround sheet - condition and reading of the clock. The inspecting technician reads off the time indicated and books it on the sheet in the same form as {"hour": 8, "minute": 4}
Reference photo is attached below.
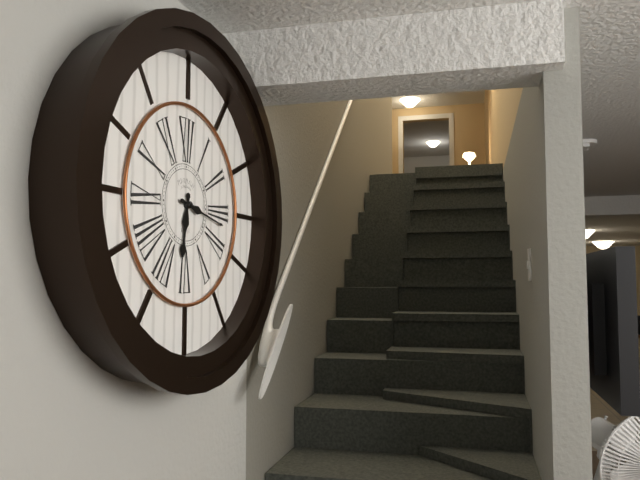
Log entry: {"hour": 6, "minute": 17}
